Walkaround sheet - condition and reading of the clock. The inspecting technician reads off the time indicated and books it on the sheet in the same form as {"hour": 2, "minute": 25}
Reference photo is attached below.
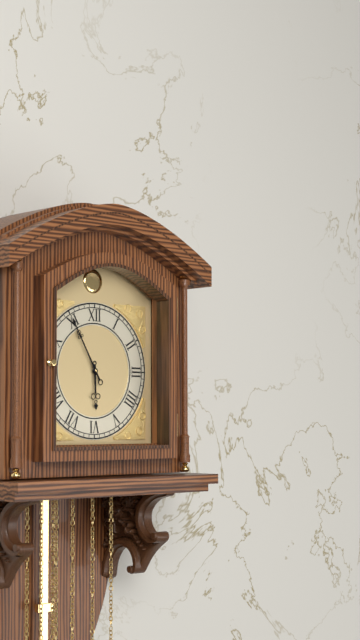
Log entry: {"hour": 5, "minute": 55}
